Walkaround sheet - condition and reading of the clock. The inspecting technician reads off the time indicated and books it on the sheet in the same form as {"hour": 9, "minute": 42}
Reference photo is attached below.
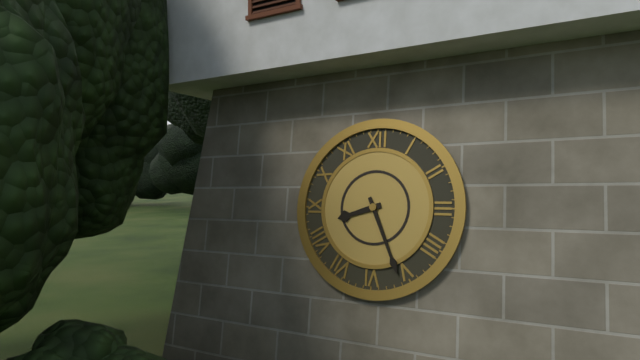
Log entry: {"hour": 8, "minute": 26}
